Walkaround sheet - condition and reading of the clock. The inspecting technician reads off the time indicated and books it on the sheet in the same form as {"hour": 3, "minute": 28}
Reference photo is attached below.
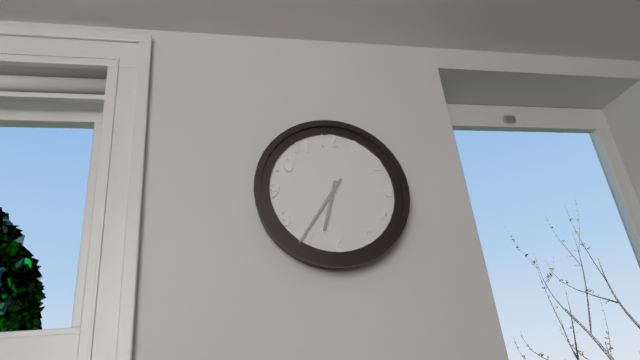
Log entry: {"hour": 6, "minute": 36}
